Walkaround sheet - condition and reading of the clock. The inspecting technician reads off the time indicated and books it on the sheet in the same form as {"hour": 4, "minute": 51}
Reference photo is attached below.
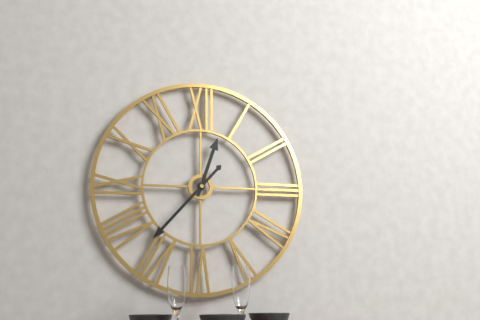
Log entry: {"hour": 12, "minute": 37}
